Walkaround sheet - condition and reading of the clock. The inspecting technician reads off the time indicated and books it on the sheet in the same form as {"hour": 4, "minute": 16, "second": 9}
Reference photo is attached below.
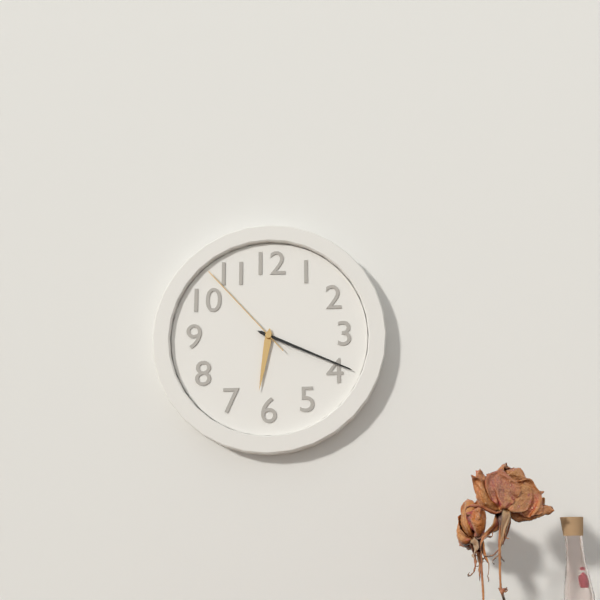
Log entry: {"hour": 6, "minute": 19, "second": 53}
